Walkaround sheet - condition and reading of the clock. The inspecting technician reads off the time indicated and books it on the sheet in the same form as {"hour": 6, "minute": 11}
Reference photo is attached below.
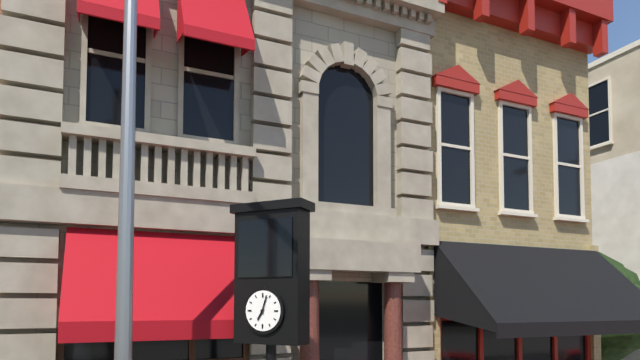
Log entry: {"hour": 7, "minute": 3}
